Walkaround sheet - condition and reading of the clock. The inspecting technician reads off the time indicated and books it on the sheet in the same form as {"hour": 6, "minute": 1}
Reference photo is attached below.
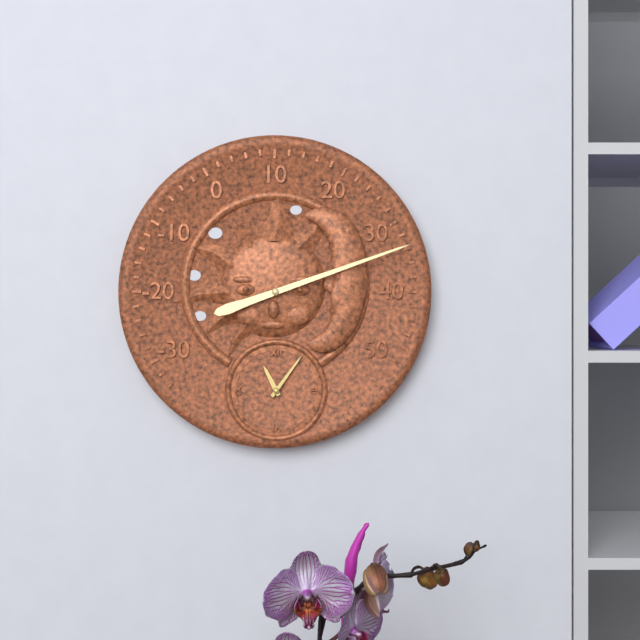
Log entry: {"hour": 11, "minute": 6}
